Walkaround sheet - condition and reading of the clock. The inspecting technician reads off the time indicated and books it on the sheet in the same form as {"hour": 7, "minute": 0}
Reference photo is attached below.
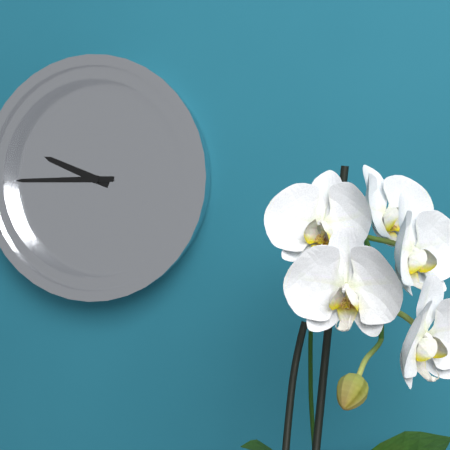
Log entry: {"hour": 9, "minute": 45}
